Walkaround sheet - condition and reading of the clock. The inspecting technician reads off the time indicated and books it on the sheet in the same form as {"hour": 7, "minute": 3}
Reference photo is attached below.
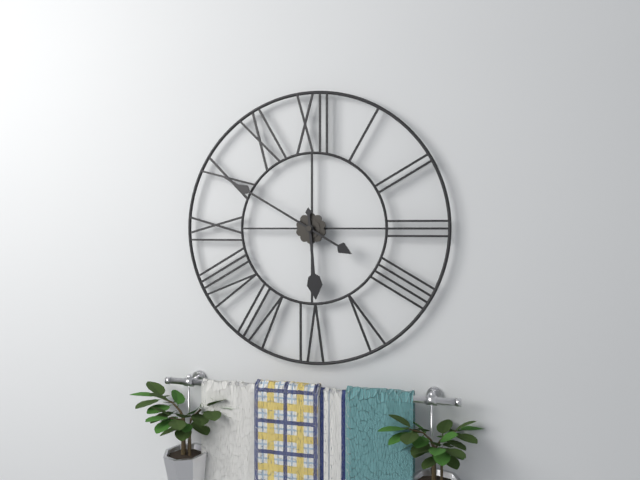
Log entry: {"hour": 5, "minute": 50}
